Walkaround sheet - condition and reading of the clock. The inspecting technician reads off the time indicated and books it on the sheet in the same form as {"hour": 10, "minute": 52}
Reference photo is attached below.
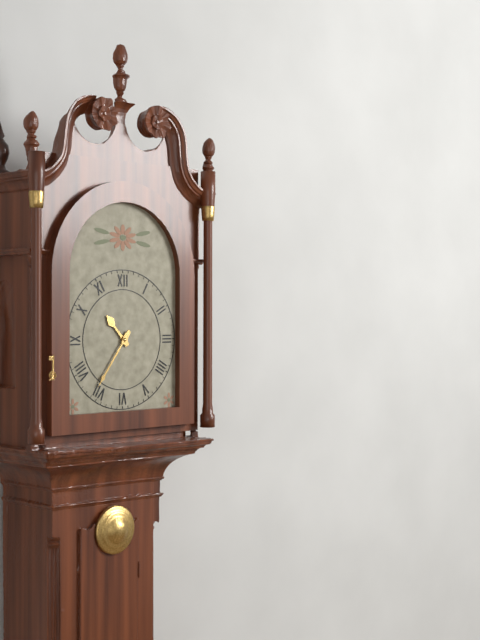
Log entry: {"hour": 10, "minute": 36}
